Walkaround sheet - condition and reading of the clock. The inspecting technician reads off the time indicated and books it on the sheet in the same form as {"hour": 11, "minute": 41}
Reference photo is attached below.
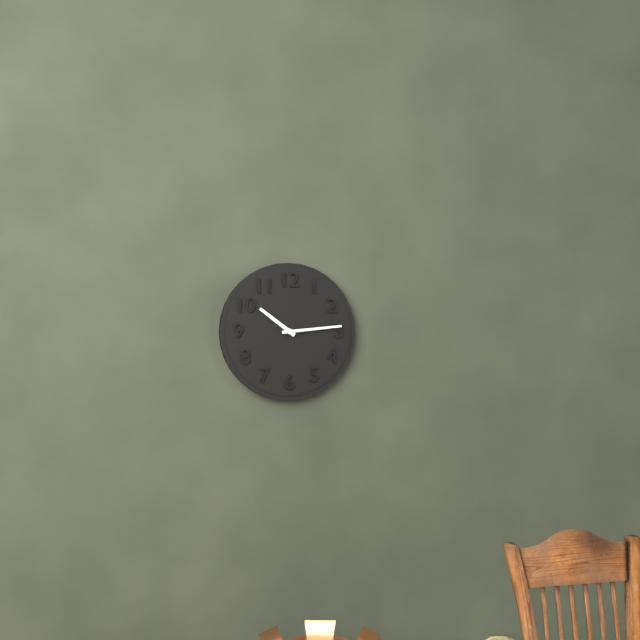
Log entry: {"hour": 10, "minute": 14}
